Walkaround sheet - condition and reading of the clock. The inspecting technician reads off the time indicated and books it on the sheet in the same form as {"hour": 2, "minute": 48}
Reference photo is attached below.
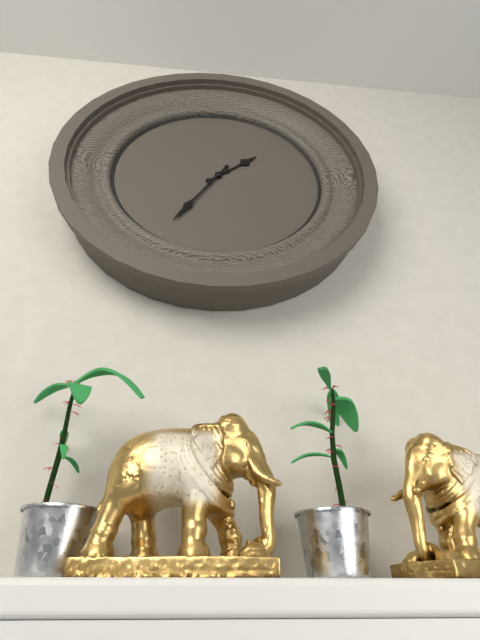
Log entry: {"hour": 1, "minute": 35}
